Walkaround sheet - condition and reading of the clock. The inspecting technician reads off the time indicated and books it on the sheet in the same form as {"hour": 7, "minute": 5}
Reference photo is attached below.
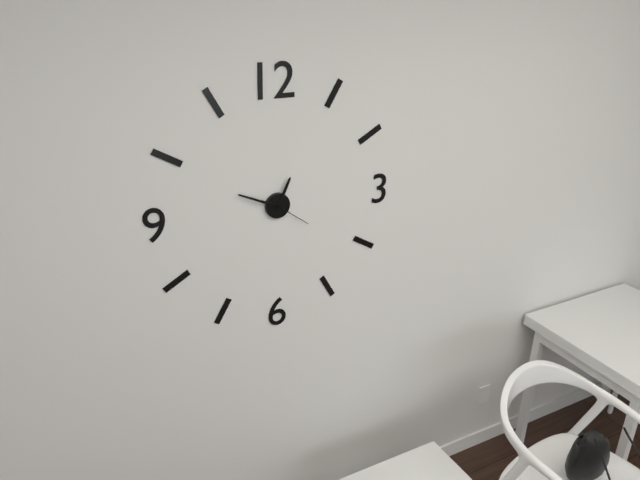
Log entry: {"hour": 12, "minute": 49}
